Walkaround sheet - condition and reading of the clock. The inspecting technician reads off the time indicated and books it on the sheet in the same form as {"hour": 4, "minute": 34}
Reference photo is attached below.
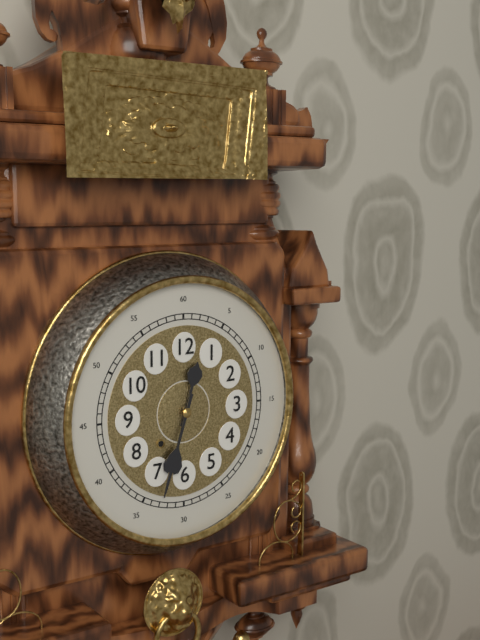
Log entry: {"hour": 12, "minute": 33}
